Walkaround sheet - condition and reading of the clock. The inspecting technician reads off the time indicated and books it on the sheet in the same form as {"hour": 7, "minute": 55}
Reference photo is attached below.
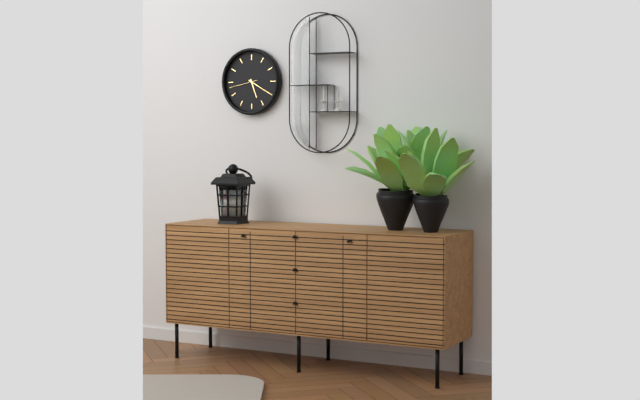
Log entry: {"hour": 5, "minute": 20}
